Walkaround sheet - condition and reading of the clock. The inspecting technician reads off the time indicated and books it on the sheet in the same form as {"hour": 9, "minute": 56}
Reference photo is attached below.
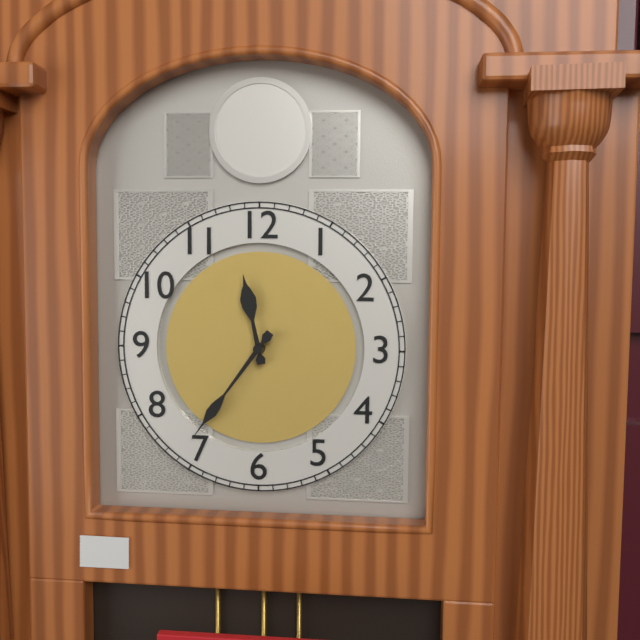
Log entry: {"hour": 11, "minute": 36}
